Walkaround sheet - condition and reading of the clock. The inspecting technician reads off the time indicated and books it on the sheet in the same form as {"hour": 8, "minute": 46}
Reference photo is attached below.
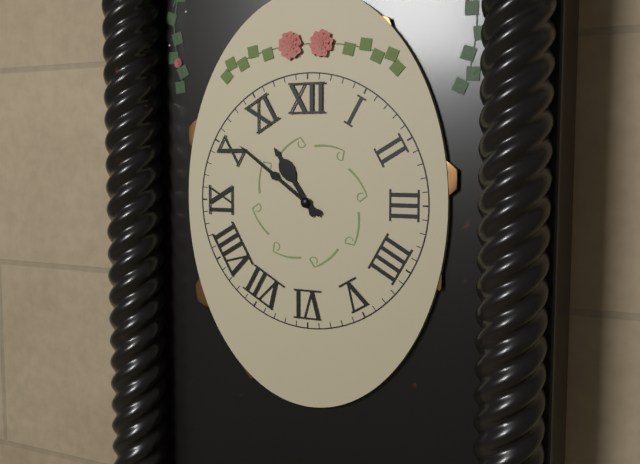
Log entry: {"hour": 10, "minute": 51}
